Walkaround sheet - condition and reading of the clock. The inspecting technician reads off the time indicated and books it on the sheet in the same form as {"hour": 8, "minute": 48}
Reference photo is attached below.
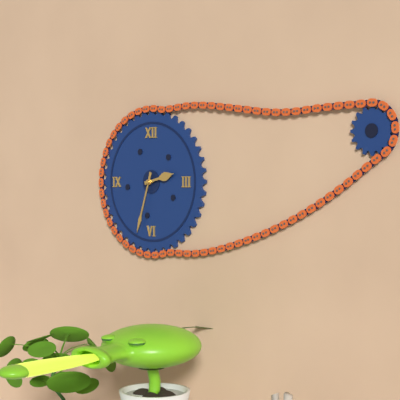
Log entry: {"hour": 2, "minute": 33}
